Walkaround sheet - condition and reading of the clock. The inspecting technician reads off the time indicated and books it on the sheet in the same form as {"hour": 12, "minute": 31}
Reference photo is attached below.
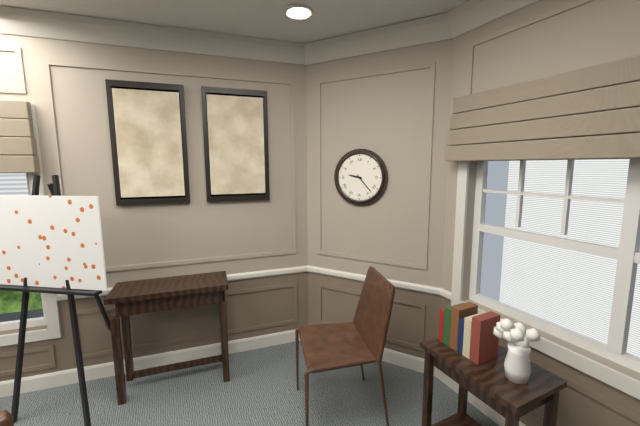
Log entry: {"hour": 9, "minute": 23}
